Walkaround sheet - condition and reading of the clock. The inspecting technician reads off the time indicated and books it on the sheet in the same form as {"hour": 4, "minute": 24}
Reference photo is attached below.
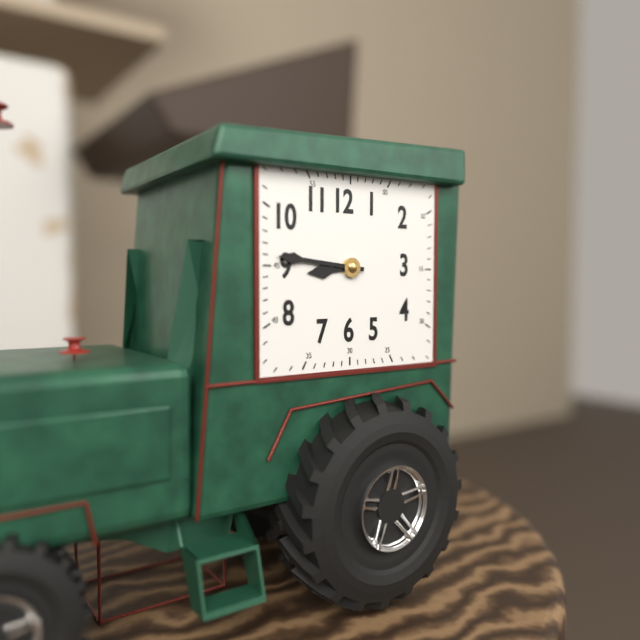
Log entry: {"hour": 8, "minute": 46}
